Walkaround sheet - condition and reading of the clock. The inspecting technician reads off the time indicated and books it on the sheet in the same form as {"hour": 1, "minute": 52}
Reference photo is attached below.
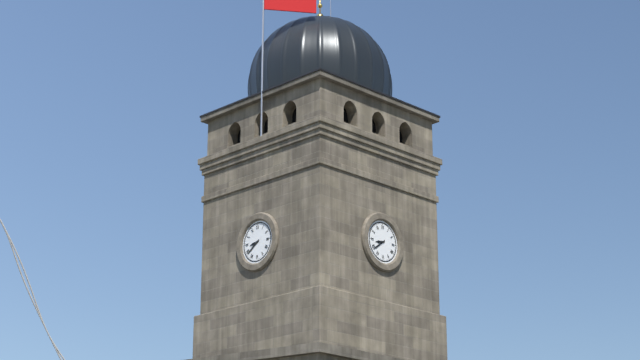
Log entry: {"hour": 8, "minute": 39}
